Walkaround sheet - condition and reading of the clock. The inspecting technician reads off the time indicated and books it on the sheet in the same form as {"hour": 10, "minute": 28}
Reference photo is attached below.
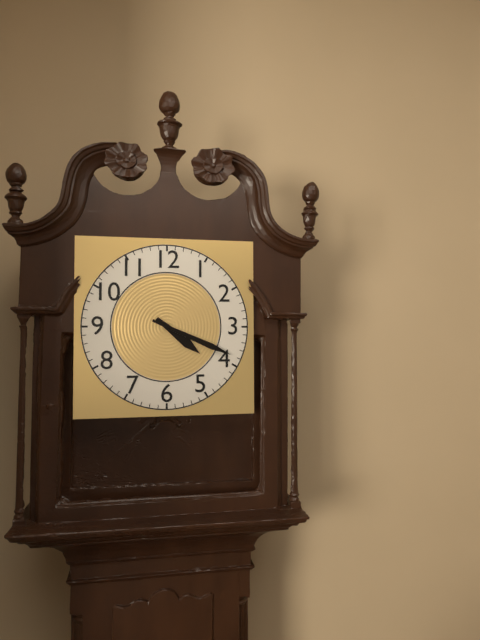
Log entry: {"hour": 4, "minute": 19}
